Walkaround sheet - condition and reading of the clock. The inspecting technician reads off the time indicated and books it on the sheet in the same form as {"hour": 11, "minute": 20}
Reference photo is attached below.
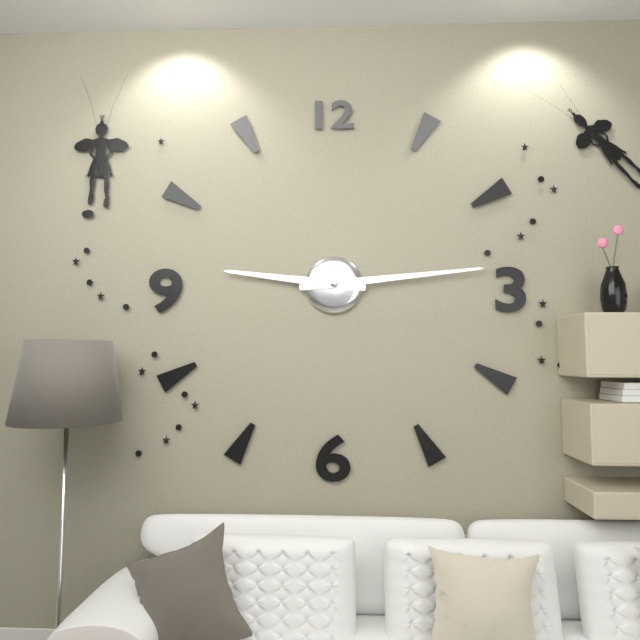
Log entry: {"hour": 9, "minute": 14}
